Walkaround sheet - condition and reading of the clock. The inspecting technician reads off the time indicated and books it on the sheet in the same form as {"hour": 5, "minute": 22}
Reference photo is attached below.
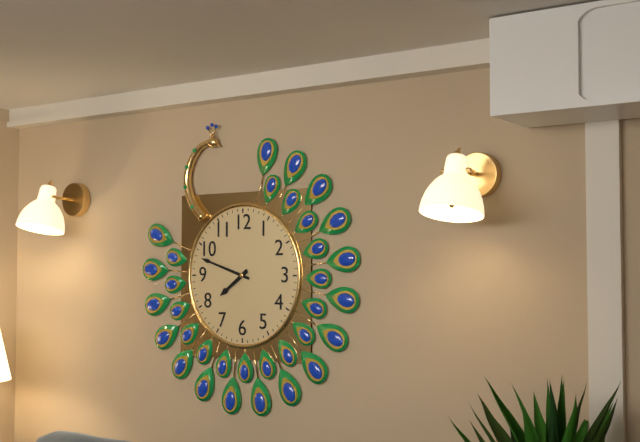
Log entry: {"hour": 7, "minute": 48}
